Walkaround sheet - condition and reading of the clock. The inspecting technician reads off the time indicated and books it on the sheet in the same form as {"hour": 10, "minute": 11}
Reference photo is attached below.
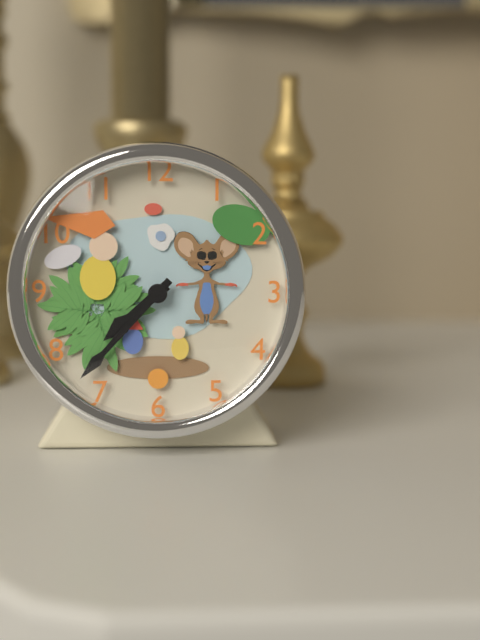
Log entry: {"hour": 7, "minute": 37}
